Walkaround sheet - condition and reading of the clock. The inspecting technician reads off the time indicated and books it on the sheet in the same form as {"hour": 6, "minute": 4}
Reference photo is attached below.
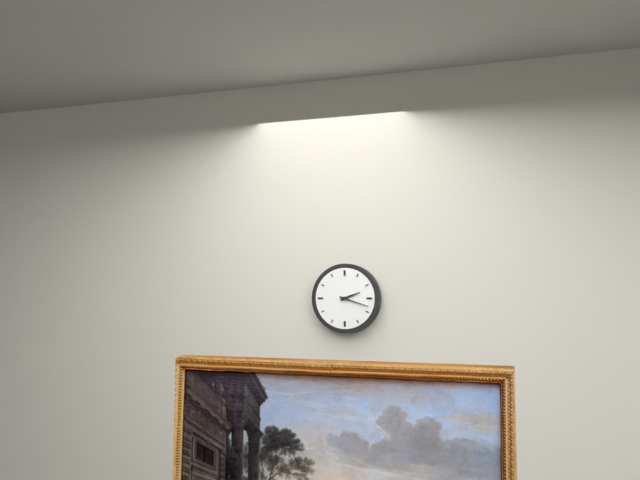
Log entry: {"hour": 2, "minute": 18}
